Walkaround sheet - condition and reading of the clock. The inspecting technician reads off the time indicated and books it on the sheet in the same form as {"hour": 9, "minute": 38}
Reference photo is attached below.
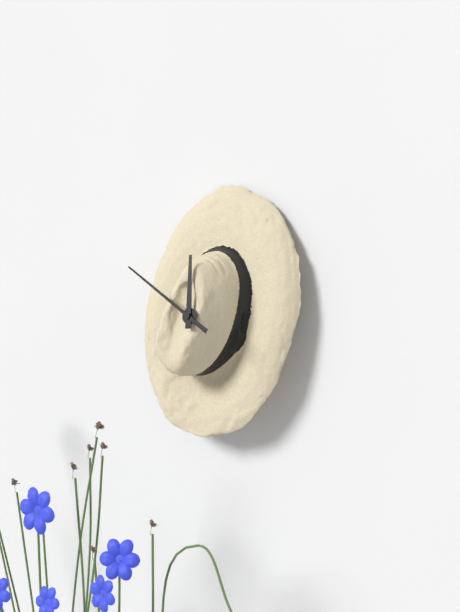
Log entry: {"hour": 11, "minute": 50}
